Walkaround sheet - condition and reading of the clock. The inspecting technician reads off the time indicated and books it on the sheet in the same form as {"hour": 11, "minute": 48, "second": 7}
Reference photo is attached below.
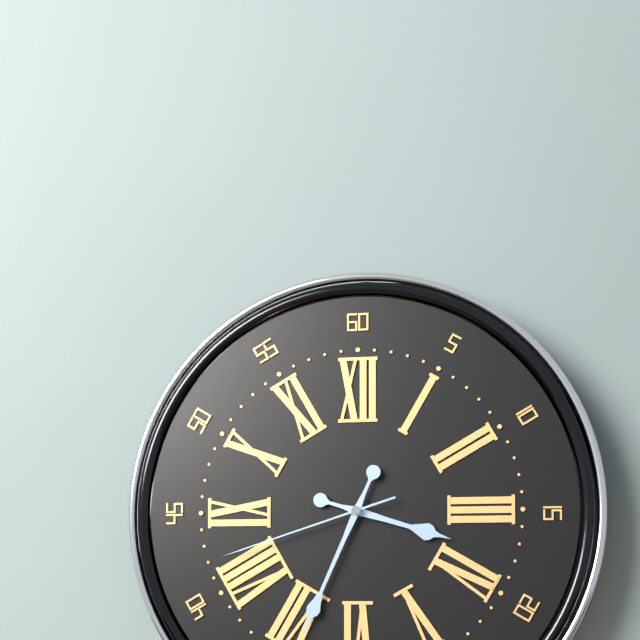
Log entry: {"hour": 3, "minute": 34, "second": 42}
